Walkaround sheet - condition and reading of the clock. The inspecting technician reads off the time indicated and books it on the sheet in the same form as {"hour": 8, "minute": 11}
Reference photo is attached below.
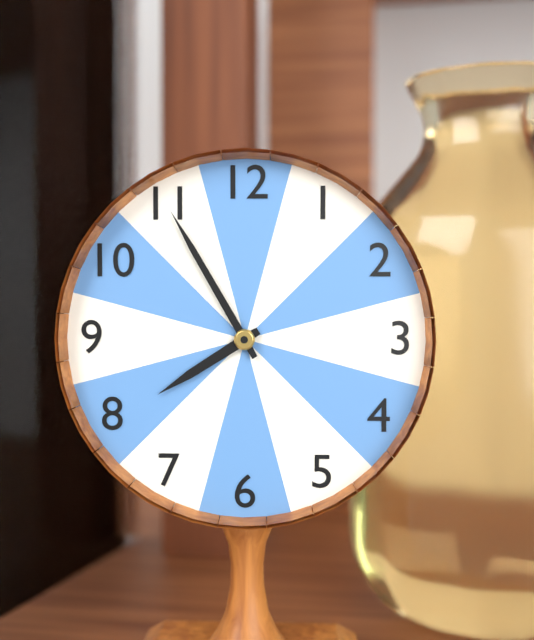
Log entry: {"hour": 7, "minute": 55}
